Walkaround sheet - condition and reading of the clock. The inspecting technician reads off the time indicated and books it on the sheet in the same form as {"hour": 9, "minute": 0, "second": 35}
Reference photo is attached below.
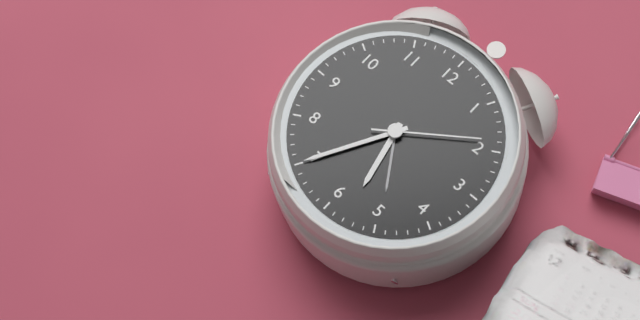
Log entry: {"hour": 5, "minute": 35, "second": 9}
